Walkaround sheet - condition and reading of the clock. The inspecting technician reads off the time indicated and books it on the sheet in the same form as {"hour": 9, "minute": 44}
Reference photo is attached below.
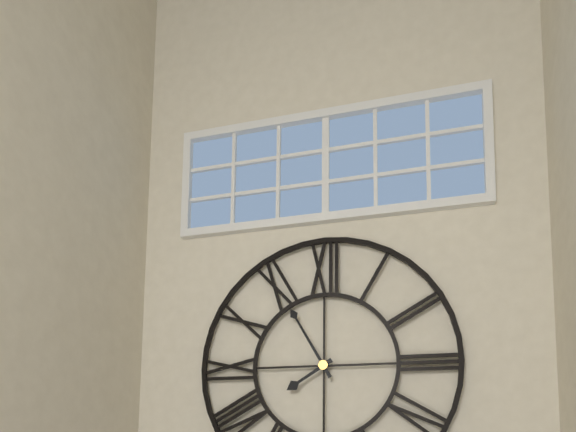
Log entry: {"hour": 7, "minute": 55}
